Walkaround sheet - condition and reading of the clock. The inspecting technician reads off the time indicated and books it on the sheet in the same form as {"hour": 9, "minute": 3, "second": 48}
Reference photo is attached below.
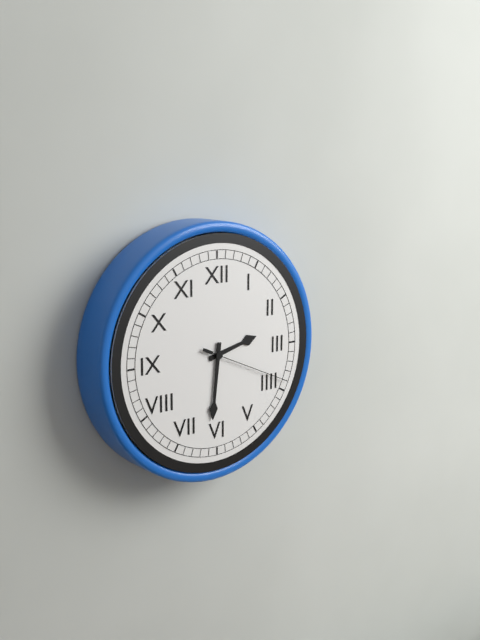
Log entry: {"hour": 2, "minute": 31, "second": 19}
